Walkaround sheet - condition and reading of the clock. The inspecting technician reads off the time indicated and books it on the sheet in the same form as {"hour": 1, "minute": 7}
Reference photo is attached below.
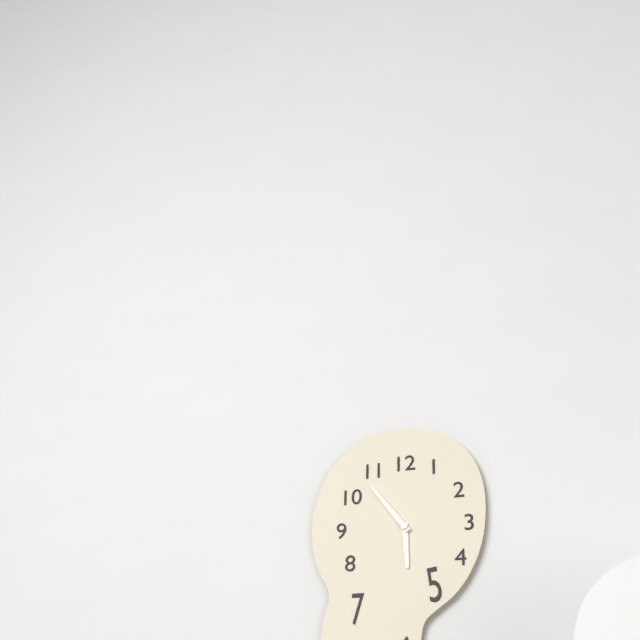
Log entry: {"hour": 5, "minute": 54}
